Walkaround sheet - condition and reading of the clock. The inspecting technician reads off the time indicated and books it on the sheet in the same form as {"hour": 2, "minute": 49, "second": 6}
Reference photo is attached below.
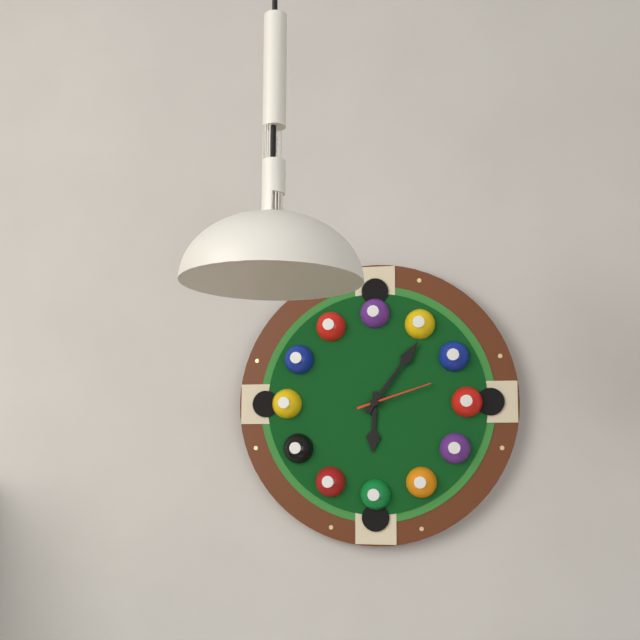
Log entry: {"hour": 6, "minute": 6, "second": 12}
